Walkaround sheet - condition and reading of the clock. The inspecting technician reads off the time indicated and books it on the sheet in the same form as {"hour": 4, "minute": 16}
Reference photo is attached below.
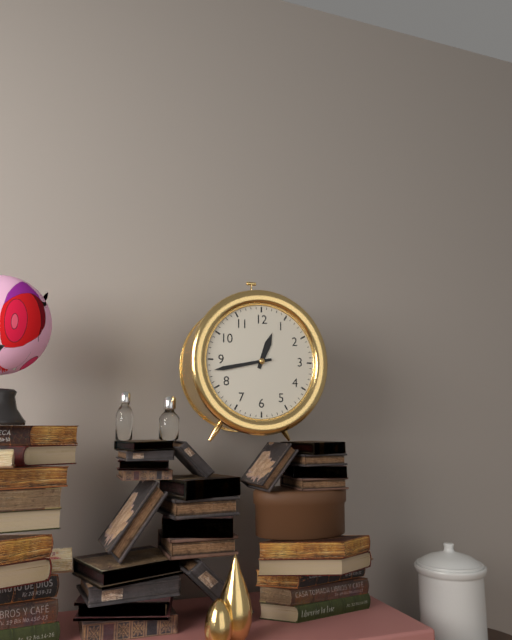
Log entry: {"hour": 12, "minute": 43}
